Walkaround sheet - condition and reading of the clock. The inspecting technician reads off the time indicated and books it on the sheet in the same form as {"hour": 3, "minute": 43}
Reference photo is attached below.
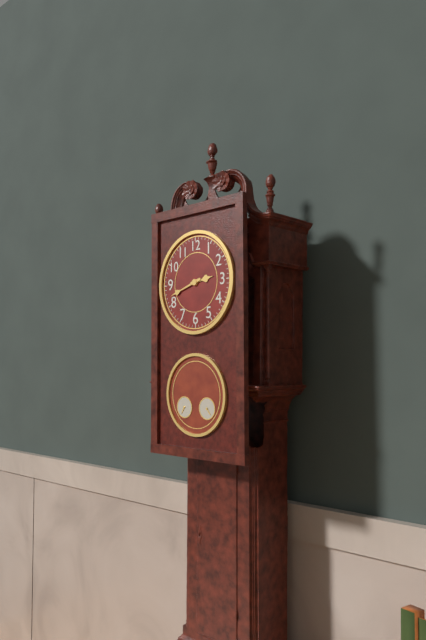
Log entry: {"hour": 2, "minute": 42}
